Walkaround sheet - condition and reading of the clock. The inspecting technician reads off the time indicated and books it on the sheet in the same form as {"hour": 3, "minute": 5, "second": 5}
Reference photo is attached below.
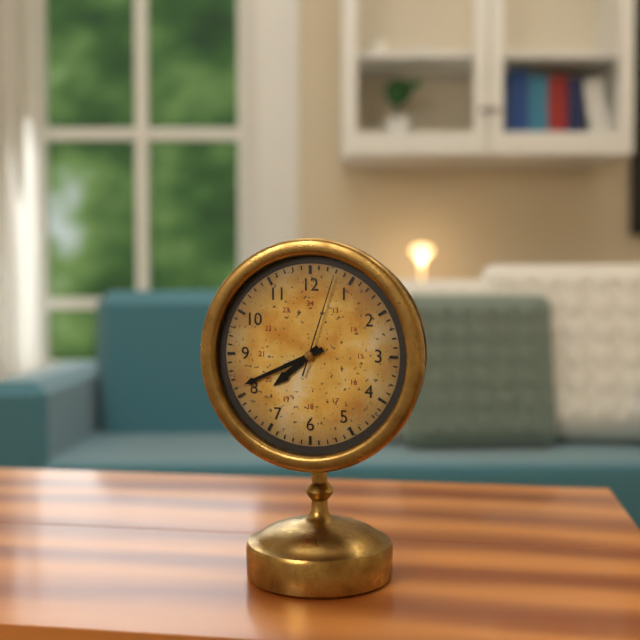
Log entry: {"hour": 7, "minute": 41, "second": 3}
